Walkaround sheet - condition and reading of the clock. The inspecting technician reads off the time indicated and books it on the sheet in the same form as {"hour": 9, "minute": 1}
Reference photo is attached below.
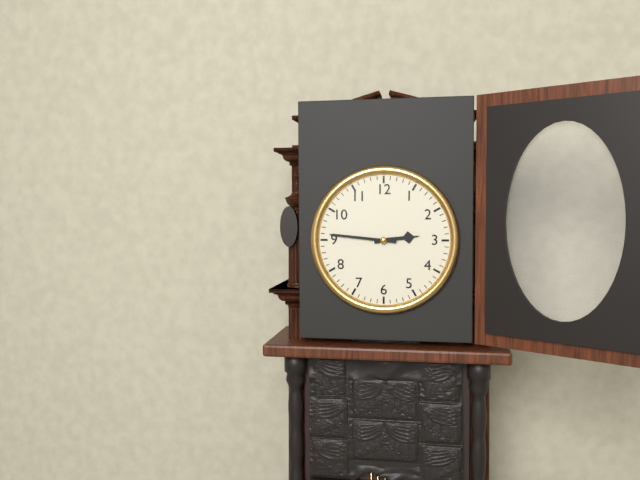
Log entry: {"hour": 2, "minute": 46}
